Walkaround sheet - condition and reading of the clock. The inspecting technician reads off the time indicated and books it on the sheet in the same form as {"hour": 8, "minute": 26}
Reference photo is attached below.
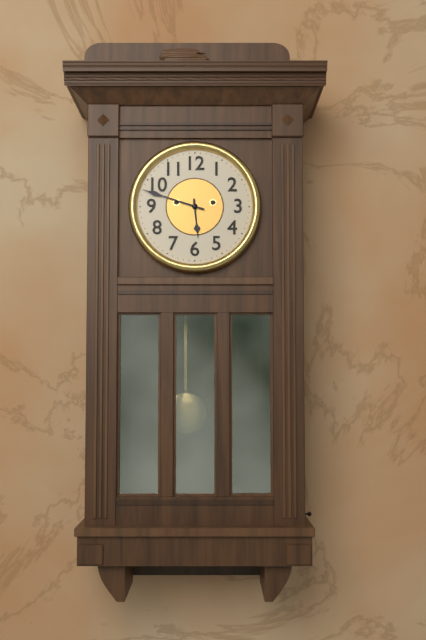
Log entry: {"hour": 5, "minute": 48}
